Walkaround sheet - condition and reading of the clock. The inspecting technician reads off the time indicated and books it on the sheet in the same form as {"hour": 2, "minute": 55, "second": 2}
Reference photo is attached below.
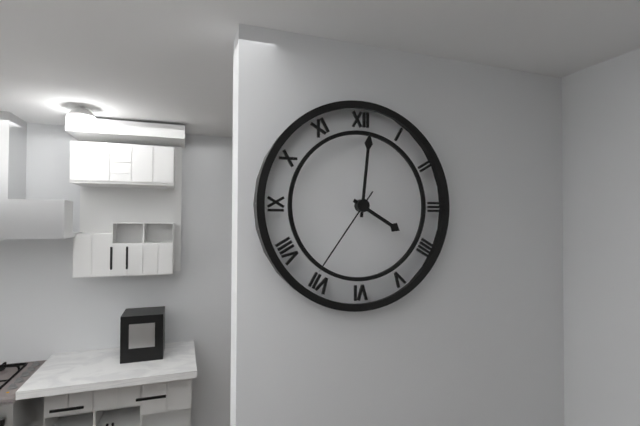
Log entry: {"hour": 4, "minute": 1, "second": 36}
